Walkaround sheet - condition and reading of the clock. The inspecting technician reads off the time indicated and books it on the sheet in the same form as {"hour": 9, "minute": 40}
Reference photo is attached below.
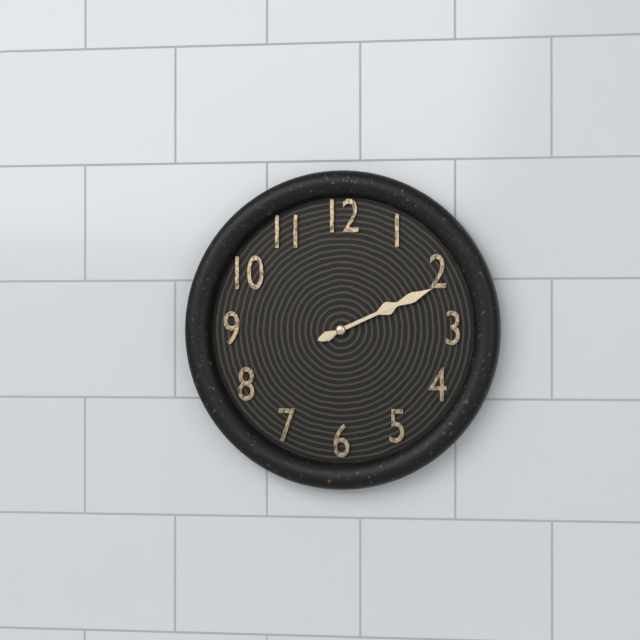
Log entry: {"hour": 2, "minute": 11}
